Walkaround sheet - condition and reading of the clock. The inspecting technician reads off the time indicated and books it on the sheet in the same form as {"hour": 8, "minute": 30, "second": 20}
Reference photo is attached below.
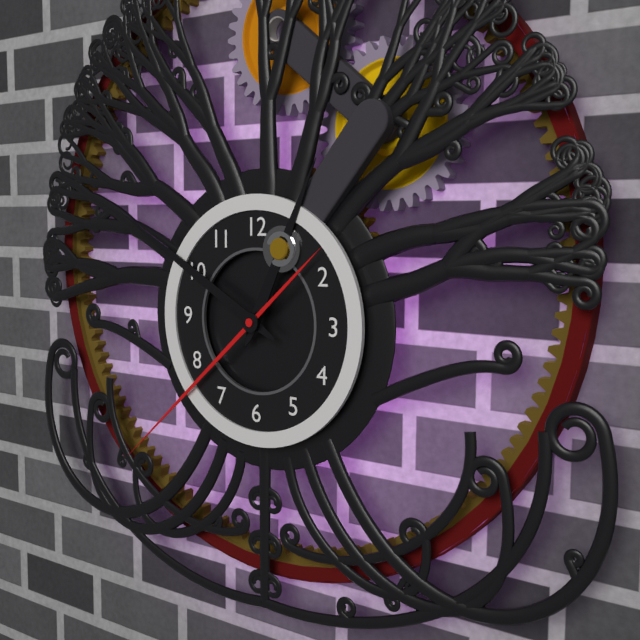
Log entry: {"hour": 12, "minute": 50, "second": 38}
